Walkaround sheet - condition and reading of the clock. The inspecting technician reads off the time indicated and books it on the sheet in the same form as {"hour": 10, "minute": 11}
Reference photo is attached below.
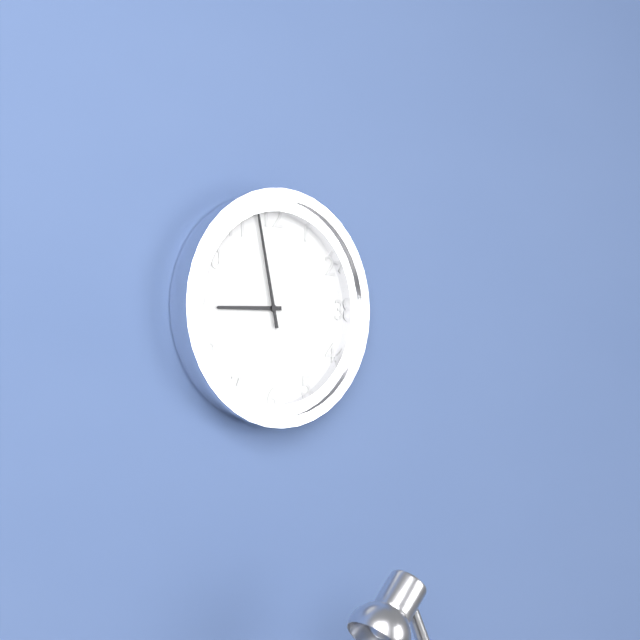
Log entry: {"hour": 8, "minute": 58}
